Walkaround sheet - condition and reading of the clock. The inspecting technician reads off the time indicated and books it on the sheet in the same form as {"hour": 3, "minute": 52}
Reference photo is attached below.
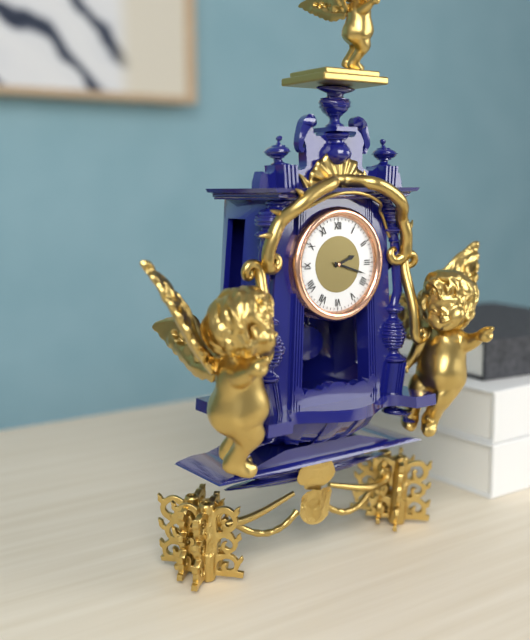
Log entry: {"hour": 2, "minute": 18}
